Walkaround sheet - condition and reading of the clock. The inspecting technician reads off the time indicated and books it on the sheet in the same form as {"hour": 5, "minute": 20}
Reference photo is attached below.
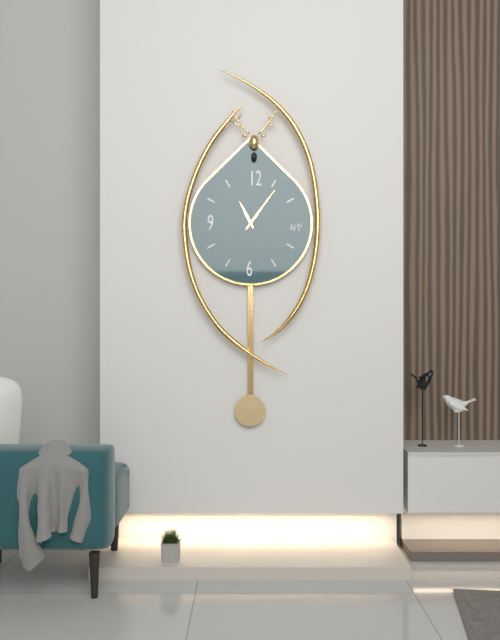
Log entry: {"hour": 11, "minute": 6}
